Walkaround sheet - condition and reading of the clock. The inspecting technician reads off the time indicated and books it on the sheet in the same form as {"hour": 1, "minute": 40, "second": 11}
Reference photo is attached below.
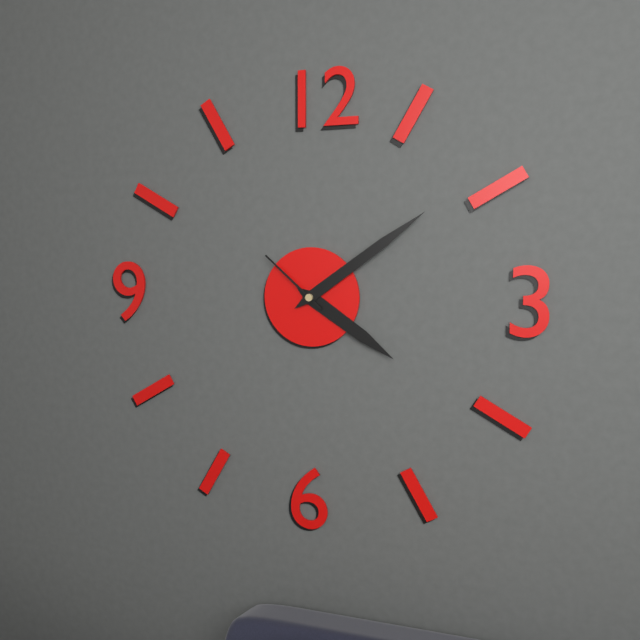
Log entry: {"hour": 4, "minute": 9, "second": 52}
